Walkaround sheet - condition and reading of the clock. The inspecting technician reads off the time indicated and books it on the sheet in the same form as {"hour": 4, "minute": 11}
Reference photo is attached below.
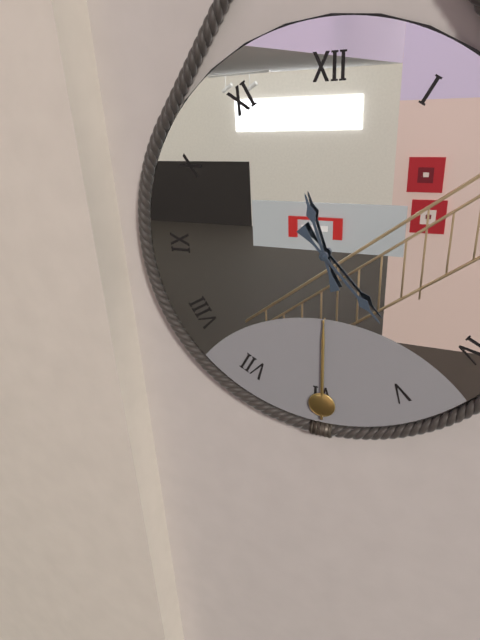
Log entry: {"hour": 11, "minute": 23}
